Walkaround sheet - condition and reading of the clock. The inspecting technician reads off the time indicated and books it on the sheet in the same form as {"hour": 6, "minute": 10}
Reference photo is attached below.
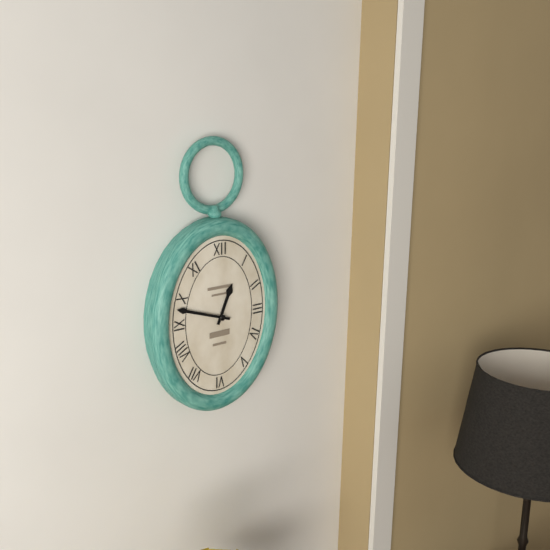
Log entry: {"hour": 12, "minute": 48}
